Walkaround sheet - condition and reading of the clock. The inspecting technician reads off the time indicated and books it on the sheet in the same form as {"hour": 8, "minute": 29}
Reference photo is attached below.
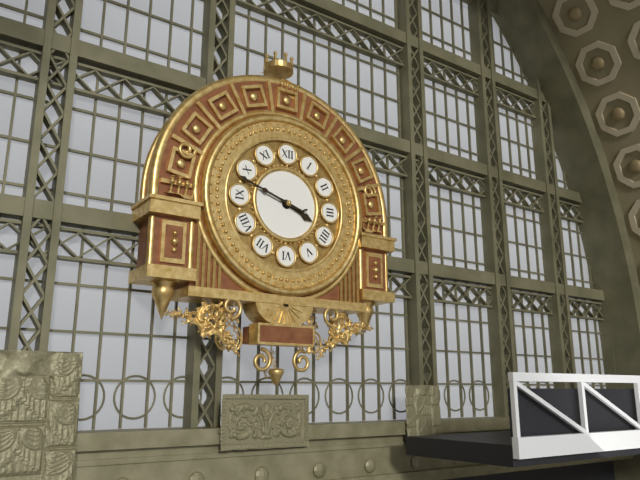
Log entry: {"hour": 3, "minute": 48}
